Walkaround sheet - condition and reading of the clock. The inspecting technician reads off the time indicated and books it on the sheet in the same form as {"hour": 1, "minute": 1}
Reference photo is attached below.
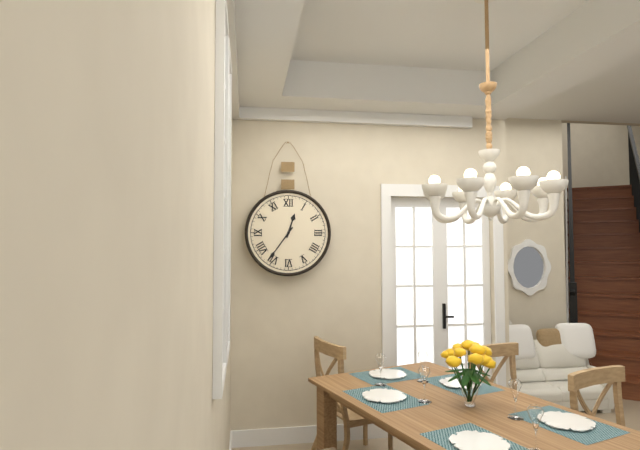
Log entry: {"hour": 12, "minute": 36}
